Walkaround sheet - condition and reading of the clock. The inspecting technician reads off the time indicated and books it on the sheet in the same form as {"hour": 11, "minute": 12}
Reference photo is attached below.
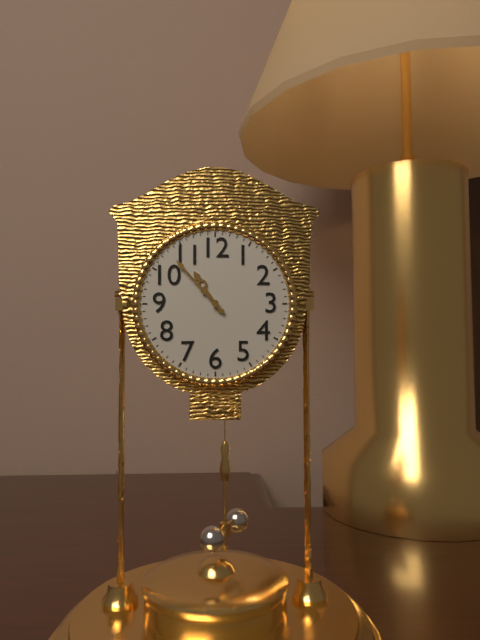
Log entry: {"hour": 10, "minute": 53}
